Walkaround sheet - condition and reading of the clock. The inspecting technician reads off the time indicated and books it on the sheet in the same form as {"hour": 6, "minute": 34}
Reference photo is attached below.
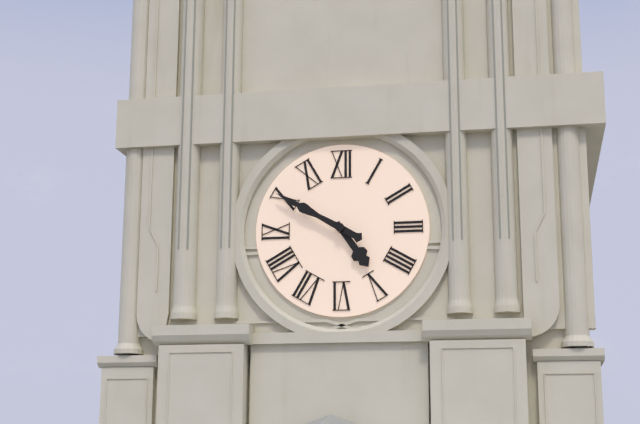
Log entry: {"hour": 4, "minute": 50}
